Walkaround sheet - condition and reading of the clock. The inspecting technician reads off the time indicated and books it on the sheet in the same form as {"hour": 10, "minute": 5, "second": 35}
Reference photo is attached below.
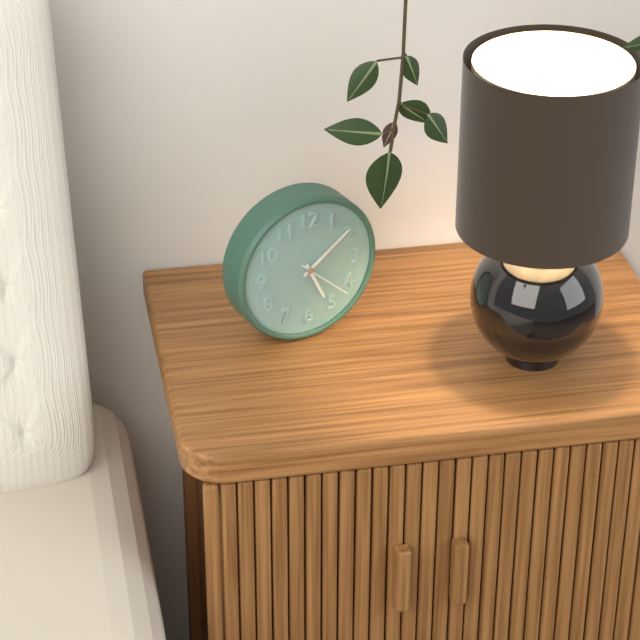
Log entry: {"hour": 5, "minute": 9, "second": 22}
